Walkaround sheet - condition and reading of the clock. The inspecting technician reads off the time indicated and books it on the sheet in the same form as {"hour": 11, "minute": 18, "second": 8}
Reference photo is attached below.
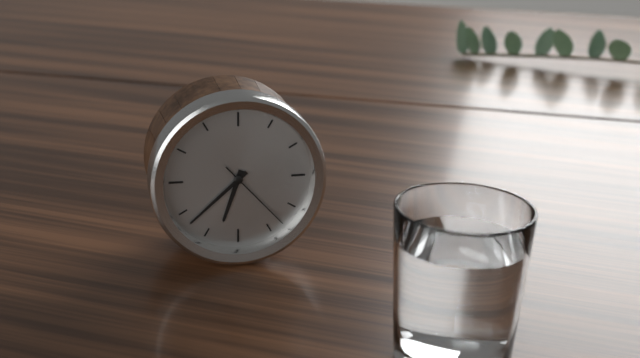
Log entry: {"hour": 6, "minute": 38, "second": 23}
